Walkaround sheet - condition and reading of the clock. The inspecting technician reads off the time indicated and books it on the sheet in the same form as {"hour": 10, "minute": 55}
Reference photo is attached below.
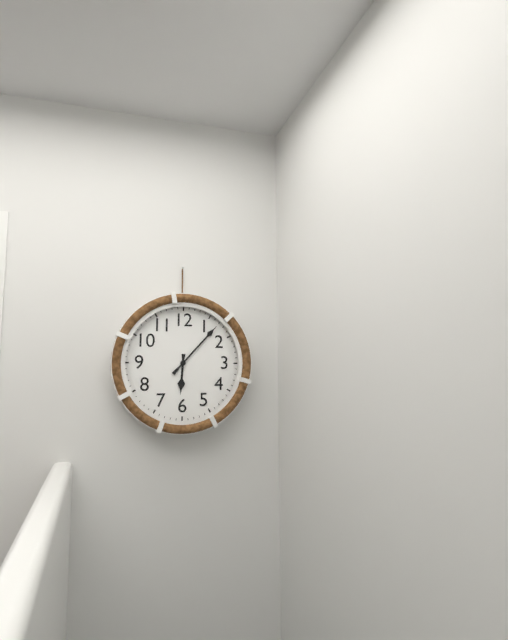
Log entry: {"hour": 6, "minute": 7}
